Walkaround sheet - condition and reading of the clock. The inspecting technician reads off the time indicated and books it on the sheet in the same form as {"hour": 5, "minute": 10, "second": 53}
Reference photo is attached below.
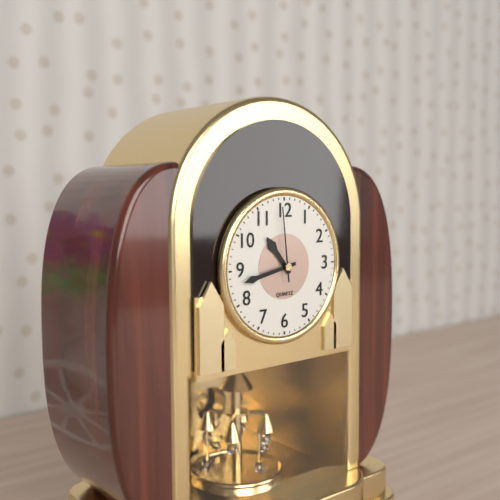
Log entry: {"hour": 10, "minute": 43, "second": 59}
